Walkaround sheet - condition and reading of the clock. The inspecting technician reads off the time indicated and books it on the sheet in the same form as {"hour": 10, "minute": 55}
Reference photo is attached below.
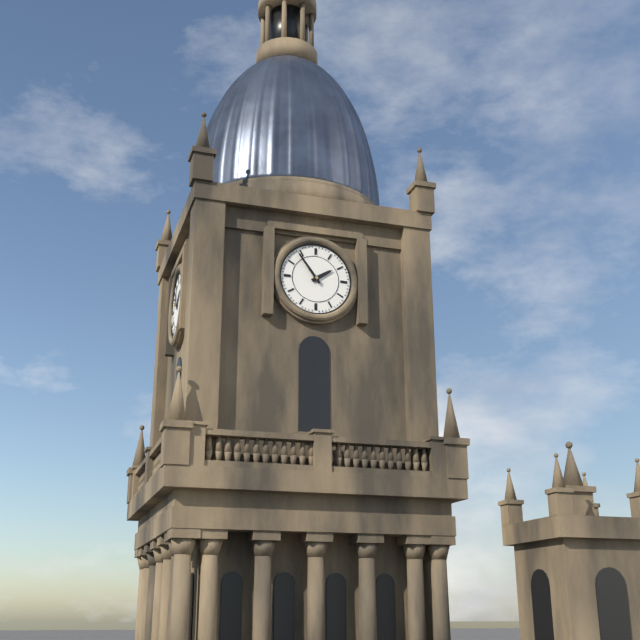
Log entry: {"hour": 1, "minute": 54}
